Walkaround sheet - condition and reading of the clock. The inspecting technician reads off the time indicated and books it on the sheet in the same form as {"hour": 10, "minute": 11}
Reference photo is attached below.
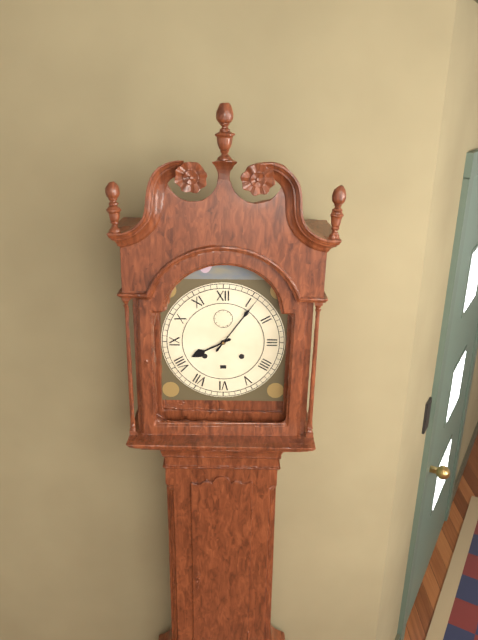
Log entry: {"hour": 8, "minute": 6}
